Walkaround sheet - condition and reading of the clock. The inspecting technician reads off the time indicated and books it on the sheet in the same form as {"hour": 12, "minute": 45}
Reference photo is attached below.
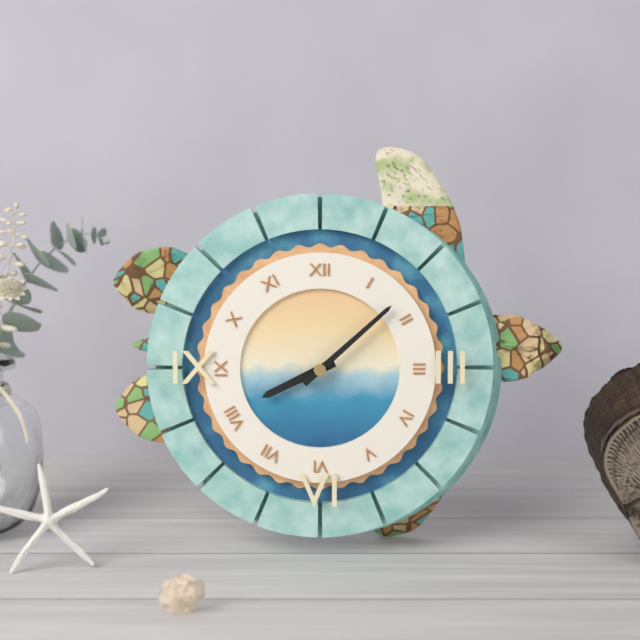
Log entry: {"hour": 8, "minute": 8}
